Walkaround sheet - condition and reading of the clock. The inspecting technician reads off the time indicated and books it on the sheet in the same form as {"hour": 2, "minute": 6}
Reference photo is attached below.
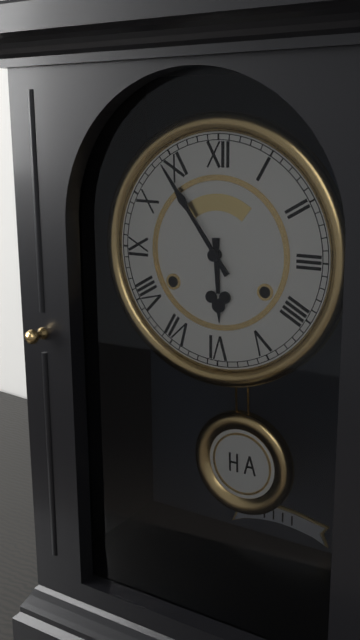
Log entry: {"hour": 5, "minute": 54}
